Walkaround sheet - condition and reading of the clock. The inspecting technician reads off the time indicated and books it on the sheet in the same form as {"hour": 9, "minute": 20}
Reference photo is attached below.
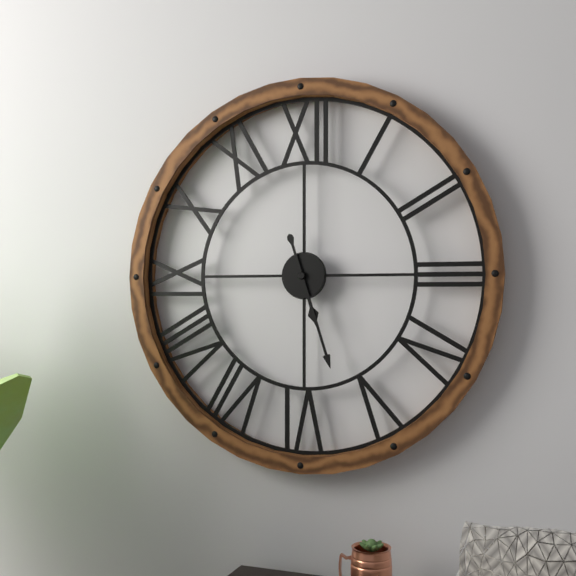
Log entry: {"hour": 5, "minute": 27}
